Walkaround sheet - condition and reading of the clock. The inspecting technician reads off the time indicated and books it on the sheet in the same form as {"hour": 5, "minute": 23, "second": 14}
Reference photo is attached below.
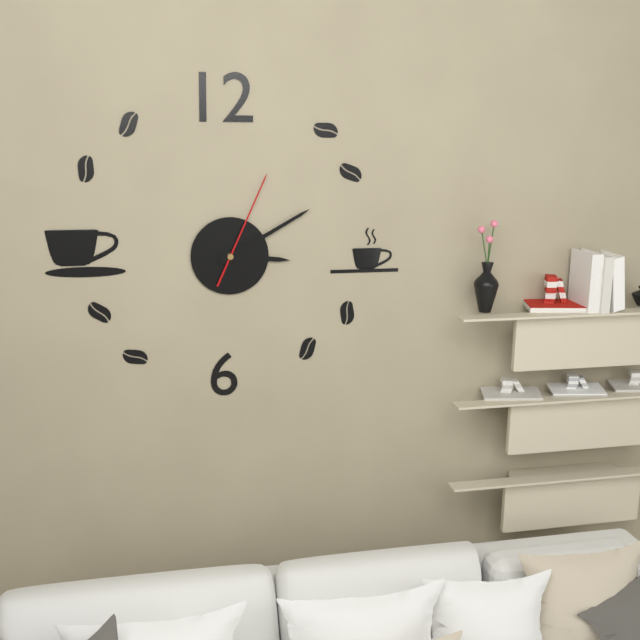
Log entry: {"hour": 3, "minute": 10, "second": 4}
